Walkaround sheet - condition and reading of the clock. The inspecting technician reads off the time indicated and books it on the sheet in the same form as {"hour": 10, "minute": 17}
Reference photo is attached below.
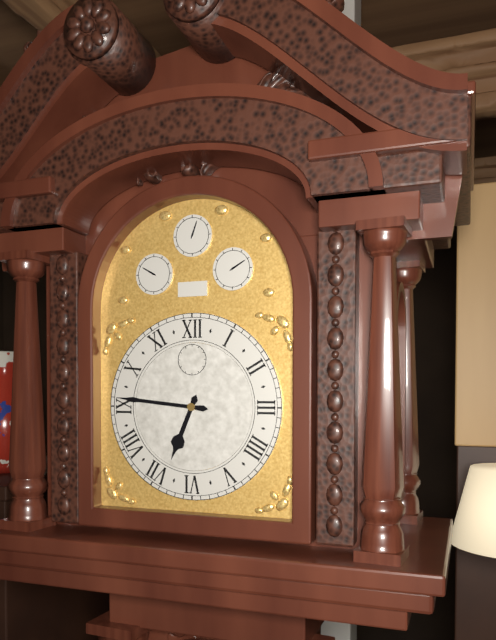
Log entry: {"hour": 6, "minute": 46}
